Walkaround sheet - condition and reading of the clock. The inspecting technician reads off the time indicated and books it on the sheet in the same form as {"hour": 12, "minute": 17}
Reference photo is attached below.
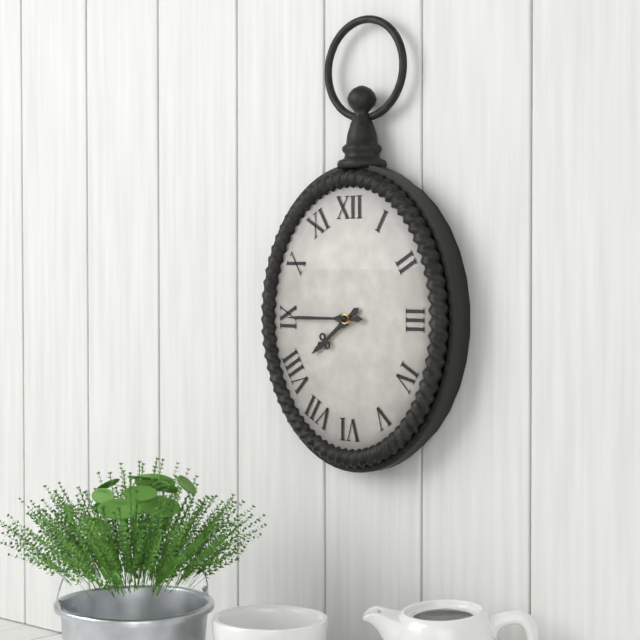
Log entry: {"hour": 7, "minute": 45}
